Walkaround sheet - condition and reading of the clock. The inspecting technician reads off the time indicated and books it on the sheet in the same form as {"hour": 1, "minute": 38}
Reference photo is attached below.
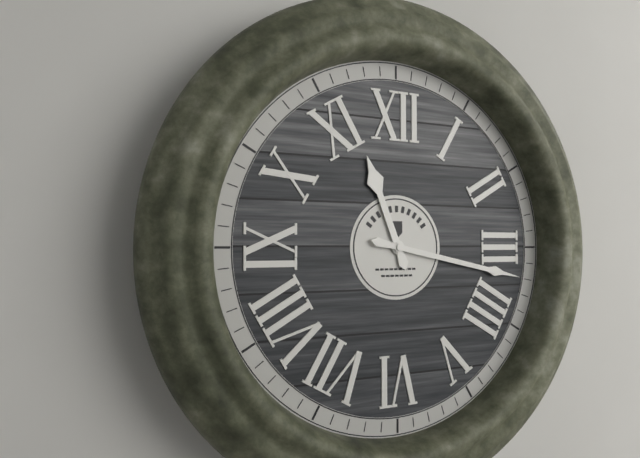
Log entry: {"hour": 11, "minute": 17}
